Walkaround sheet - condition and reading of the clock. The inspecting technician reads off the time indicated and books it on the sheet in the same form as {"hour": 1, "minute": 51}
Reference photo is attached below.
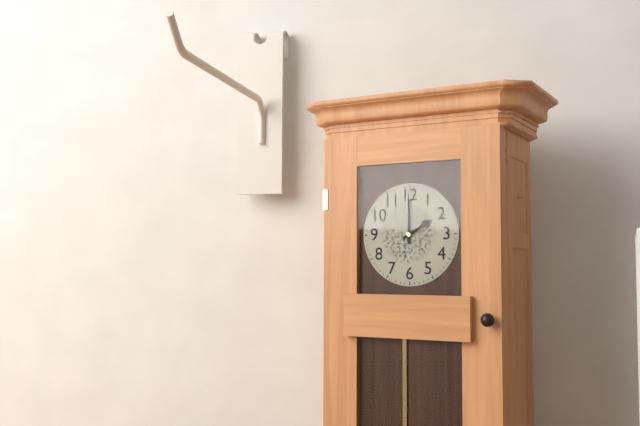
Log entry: {"hour": 2, "minute": 0}
